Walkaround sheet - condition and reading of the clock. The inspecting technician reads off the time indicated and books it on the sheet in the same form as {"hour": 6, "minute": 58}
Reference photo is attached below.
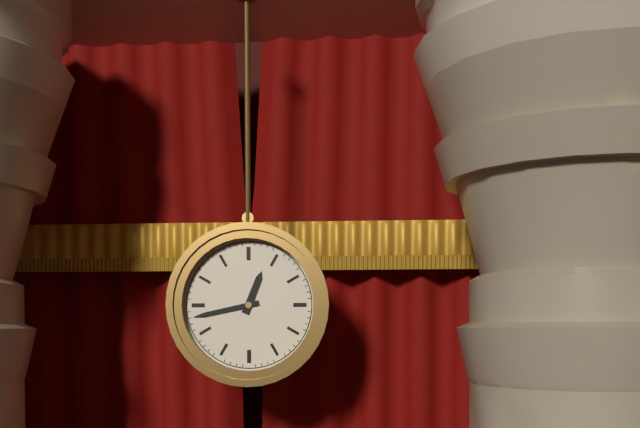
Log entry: {"hour": 12, "minute": 43}
